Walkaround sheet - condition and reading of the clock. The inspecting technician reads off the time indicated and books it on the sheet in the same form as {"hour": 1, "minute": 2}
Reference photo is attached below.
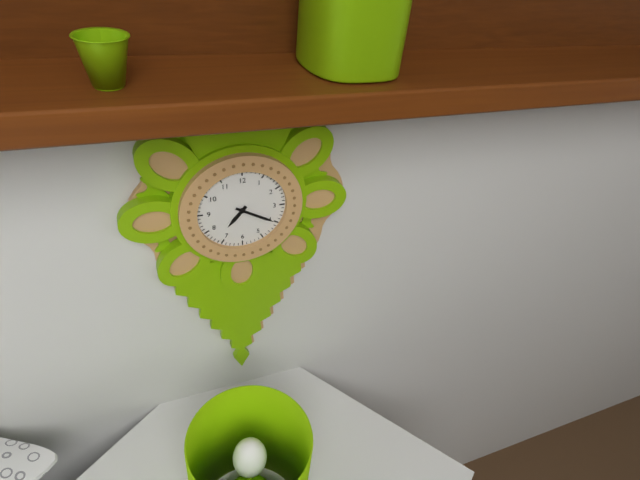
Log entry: {"hour": 7, "minute": 20}
